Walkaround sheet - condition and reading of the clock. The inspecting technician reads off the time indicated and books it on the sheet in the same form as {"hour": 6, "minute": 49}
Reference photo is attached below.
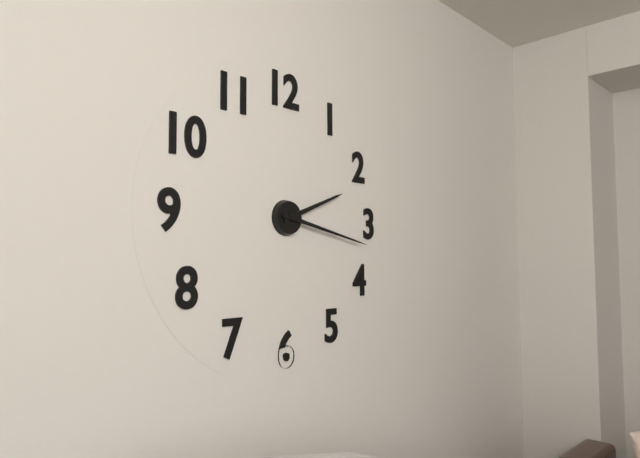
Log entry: {"hour": 2, "minute": 17}
